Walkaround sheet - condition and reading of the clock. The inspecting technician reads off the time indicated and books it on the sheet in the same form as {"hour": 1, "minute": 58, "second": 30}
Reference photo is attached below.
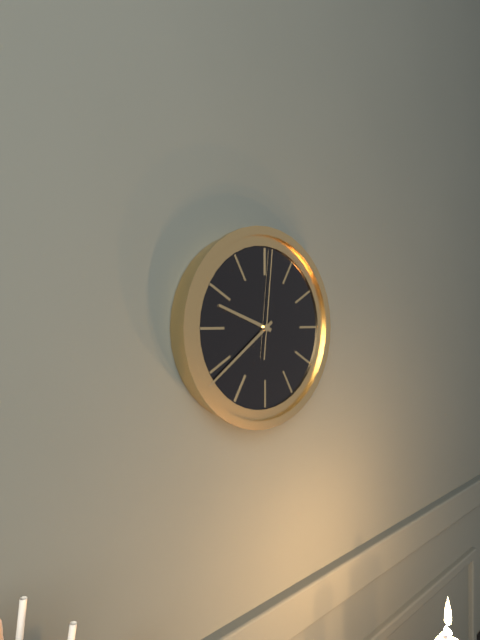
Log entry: {"hour": 9, "minute": 39, "second": 1}
